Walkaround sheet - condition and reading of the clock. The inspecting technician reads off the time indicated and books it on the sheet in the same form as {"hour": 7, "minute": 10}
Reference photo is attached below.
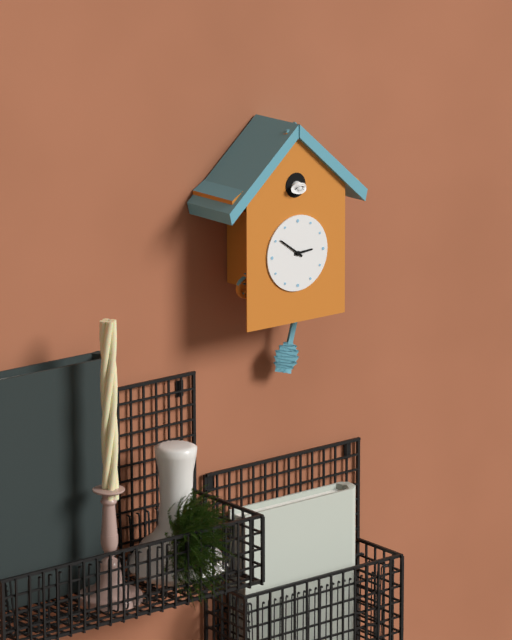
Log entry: {"hour": 2, "minute": 51}
